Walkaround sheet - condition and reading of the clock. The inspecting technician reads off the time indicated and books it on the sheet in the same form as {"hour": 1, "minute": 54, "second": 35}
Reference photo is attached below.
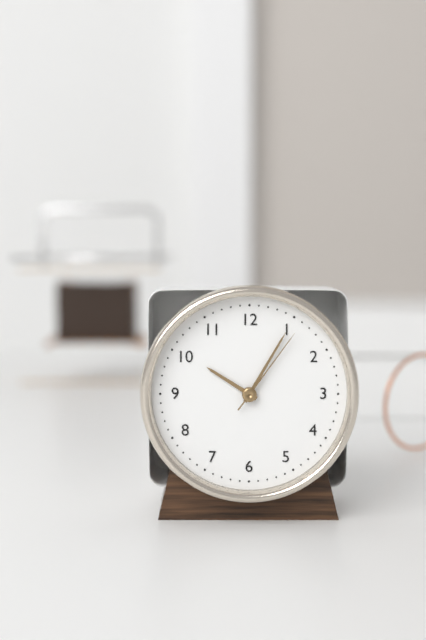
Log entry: {"hour": 10, "minute": 5, "second": 6}
